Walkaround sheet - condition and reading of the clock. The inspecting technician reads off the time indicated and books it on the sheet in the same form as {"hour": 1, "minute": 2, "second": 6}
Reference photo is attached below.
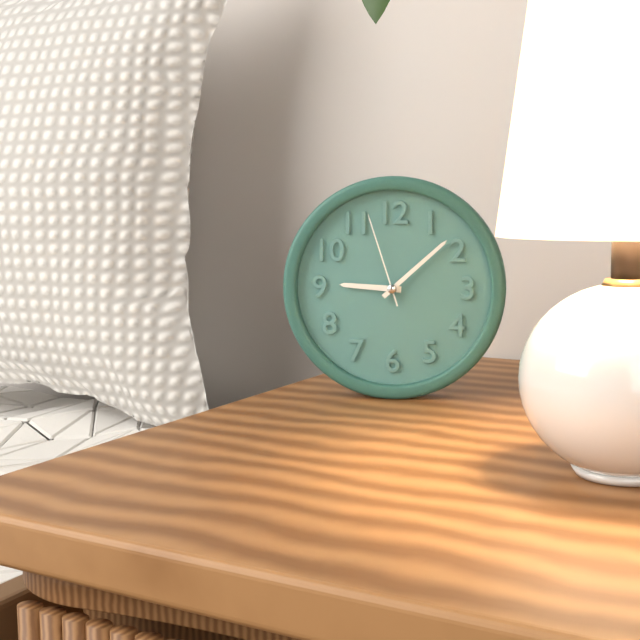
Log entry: {"hour": 9, "minute": 8, "second": 57}
